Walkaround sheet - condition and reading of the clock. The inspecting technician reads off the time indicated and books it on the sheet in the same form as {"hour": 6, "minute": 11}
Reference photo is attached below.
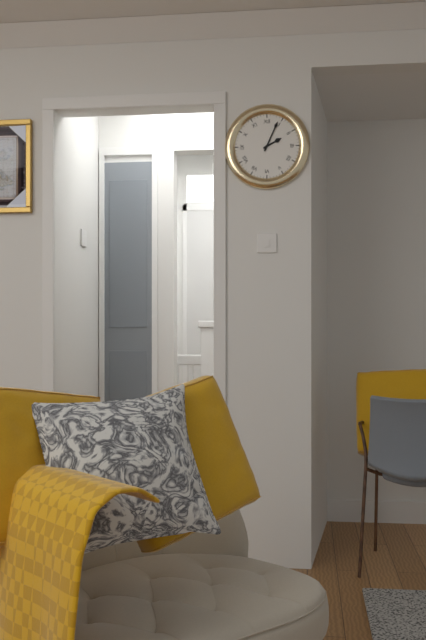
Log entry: {"hour": 2, "minute": 4}
